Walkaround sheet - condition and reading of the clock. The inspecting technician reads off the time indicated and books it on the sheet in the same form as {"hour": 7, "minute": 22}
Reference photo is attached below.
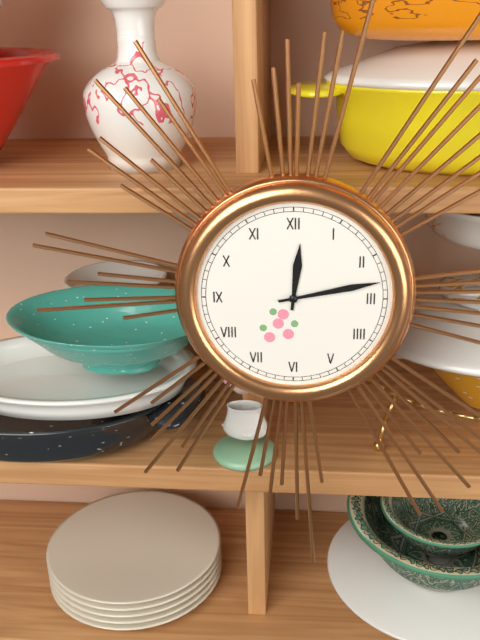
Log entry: {"hour": 12, "minute": 13}
